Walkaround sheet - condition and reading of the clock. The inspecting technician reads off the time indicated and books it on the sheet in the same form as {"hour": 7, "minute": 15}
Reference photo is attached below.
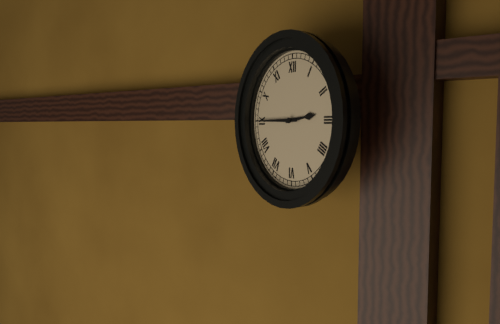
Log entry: {"hour": 2, "minute": 45}
